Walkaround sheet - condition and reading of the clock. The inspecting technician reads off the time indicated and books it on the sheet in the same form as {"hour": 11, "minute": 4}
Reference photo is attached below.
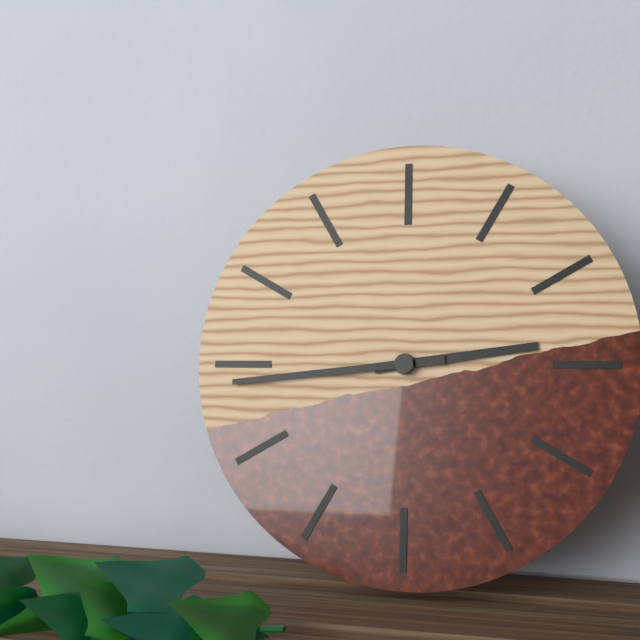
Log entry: {"hour": 2, "minute": 44}
